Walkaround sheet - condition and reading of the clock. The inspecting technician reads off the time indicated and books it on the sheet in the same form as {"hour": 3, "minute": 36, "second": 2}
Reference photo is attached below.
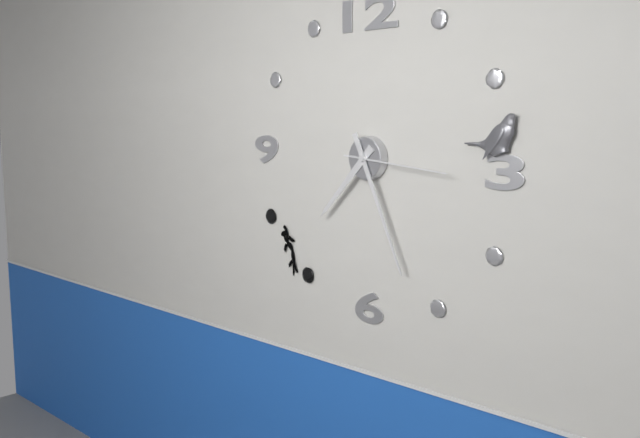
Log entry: {"hour": 7, "minute": 26, "second": 16}
